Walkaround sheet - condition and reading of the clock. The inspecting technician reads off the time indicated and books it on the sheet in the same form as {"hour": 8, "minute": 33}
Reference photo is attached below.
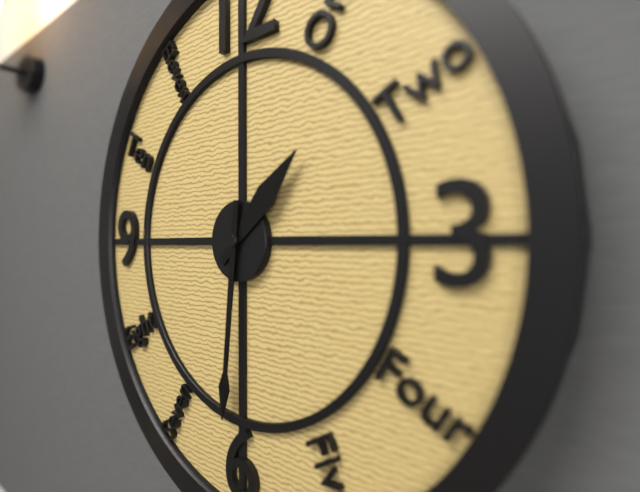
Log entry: {"hour": 1, "minute": 31}
